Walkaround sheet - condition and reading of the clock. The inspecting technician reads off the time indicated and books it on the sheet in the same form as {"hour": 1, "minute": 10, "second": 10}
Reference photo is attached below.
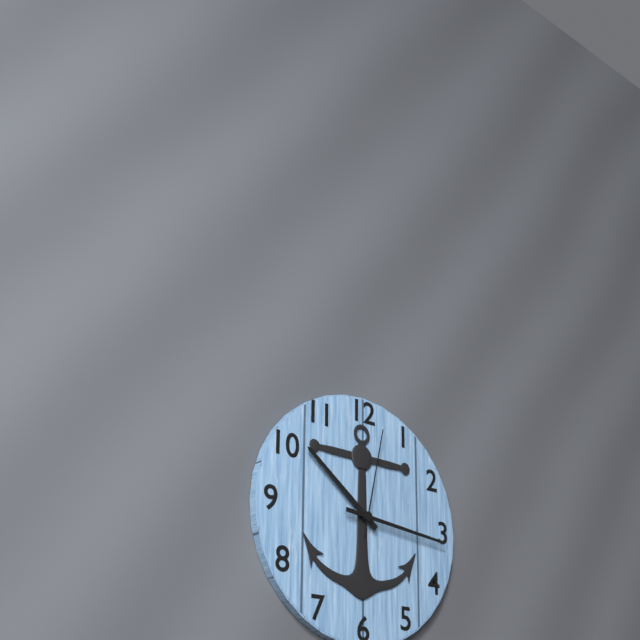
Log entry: {"hour": 10, "minute": 16, "second": 2}
